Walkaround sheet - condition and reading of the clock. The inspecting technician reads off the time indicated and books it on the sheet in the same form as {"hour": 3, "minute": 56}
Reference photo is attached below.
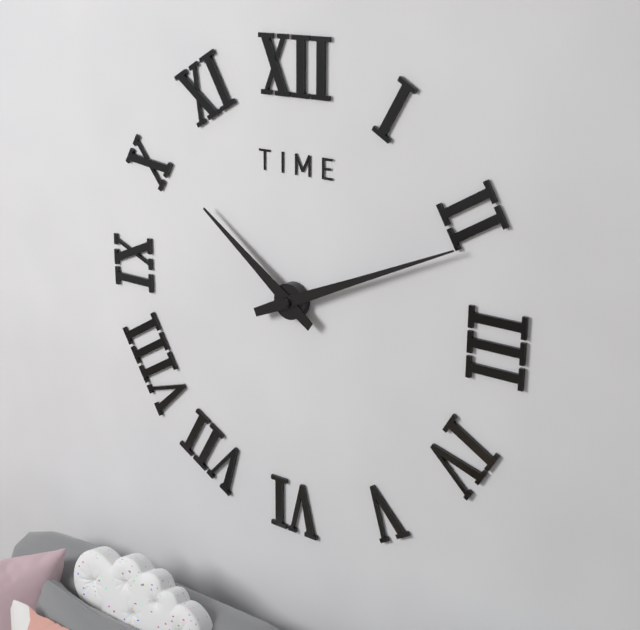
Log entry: {"hour": 10, "minute": 11}
